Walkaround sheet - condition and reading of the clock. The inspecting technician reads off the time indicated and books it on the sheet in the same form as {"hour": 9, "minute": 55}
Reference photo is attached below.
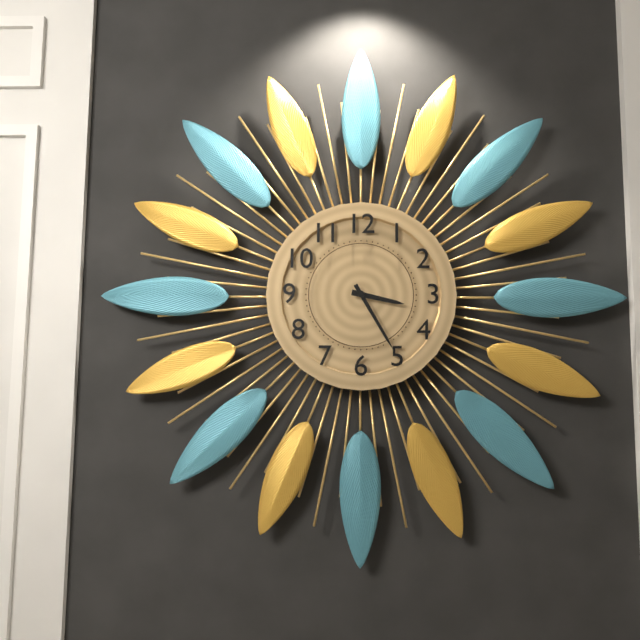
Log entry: {"hour": 3, "minute": 25}
